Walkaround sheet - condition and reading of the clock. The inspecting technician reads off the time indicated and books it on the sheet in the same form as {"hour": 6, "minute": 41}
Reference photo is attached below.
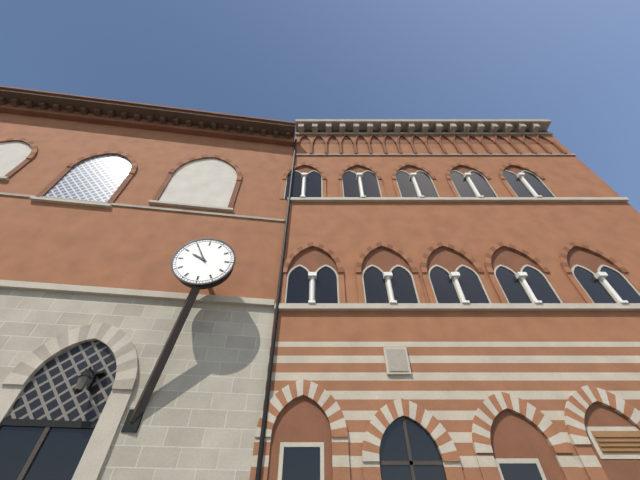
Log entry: {"hour": 9, "minute": 55}
